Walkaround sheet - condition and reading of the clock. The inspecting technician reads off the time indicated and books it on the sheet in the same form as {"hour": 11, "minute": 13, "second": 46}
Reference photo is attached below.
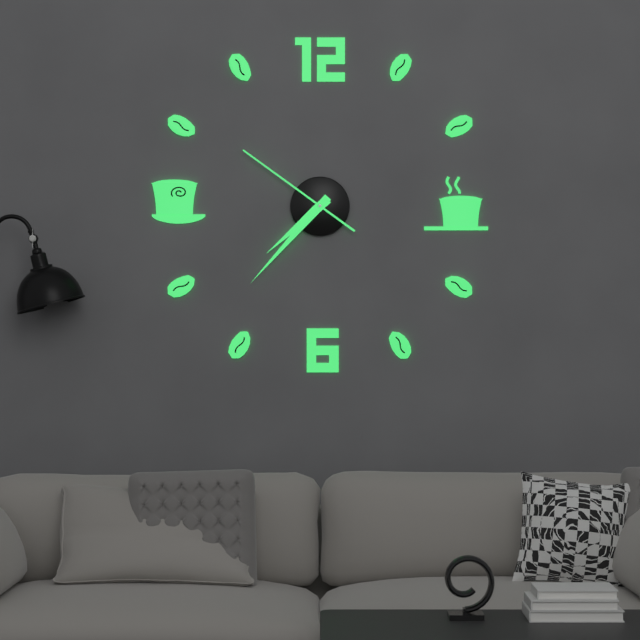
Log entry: {"hour": 7, "minute": 37, "second": 51}
